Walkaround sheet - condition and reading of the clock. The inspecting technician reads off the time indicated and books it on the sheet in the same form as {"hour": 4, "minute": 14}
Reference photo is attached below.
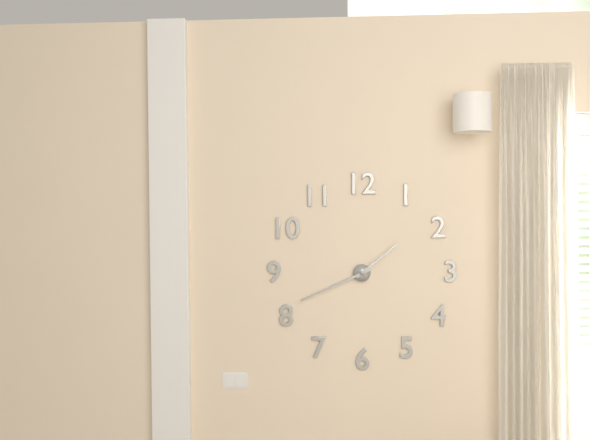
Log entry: {"hour": 1, "minute": 41}
